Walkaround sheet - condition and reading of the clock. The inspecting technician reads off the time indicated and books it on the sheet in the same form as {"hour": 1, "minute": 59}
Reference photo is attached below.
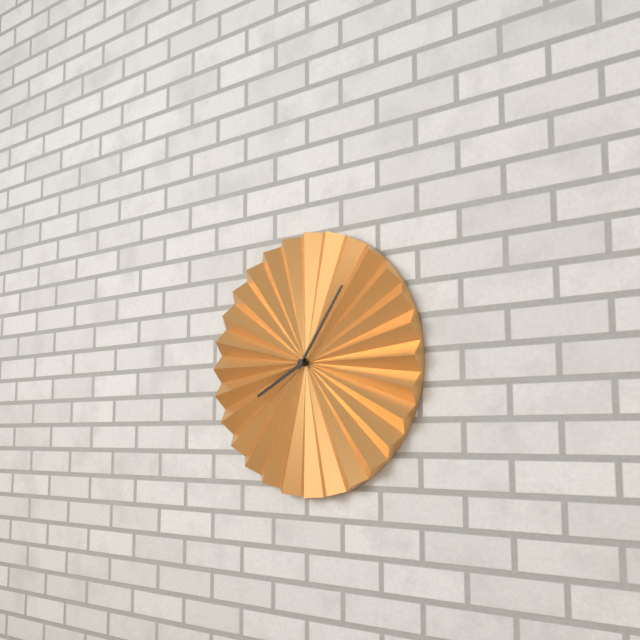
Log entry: {"hour": 8, "minute": 6}
